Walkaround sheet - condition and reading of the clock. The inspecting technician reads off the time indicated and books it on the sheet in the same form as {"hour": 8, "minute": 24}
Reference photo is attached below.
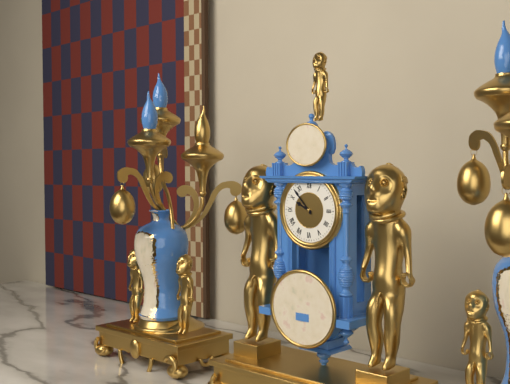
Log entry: {"hour": 9, "minute": 53}
